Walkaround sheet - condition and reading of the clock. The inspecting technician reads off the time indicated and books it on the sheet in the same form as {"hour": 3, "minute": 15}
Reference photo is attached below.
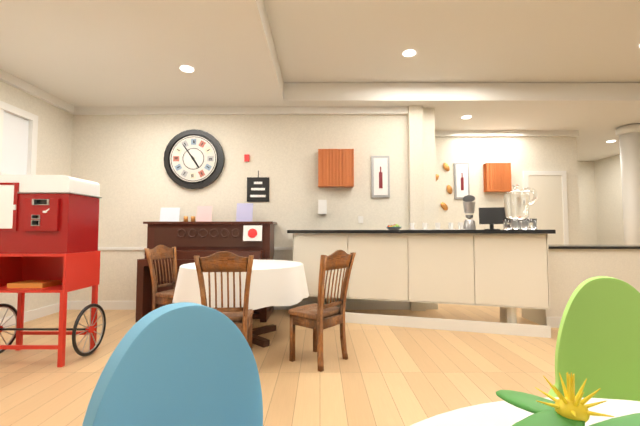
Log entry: {"hour": 4, "minute": 54}
